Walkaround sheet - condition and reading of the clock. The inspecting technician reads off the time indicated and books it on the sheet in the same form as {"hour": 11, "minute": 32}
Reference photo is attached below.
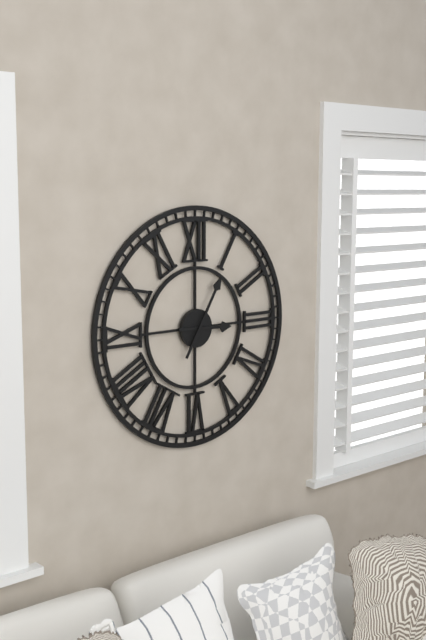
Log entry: {"hour": 3, "minute": 5}
